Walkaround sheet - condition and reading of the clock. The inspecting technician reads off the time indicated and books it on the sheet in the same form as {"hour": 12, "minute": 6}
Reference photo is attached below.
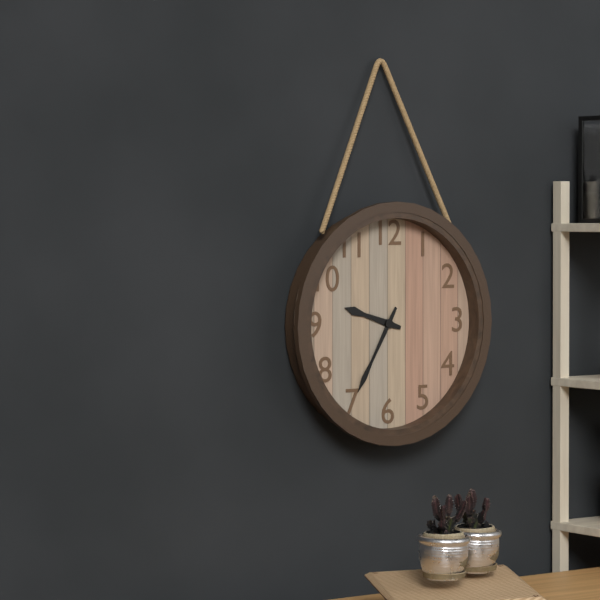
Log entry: {"hour": 9, "minute": 35}
